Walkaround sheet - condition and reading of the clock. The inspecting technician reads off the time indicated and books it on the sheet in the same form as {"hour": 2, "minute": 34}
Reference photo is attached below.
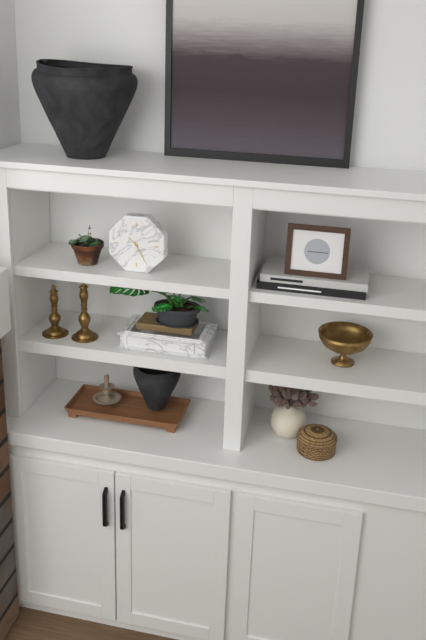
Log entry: {"hour": 10, "minute": 25}
